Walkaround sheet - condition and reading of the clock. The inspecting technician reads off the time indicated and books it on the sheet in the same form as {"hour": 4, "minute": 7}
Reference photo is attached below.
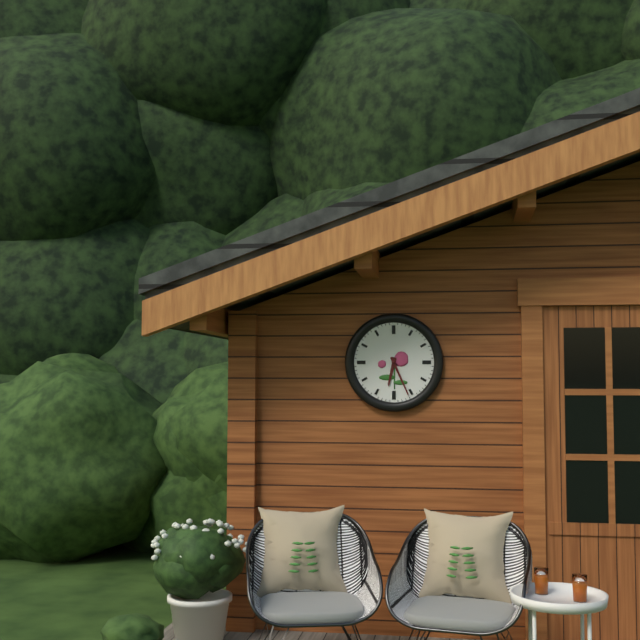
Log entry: {"hour": 6, "minute": 26}
